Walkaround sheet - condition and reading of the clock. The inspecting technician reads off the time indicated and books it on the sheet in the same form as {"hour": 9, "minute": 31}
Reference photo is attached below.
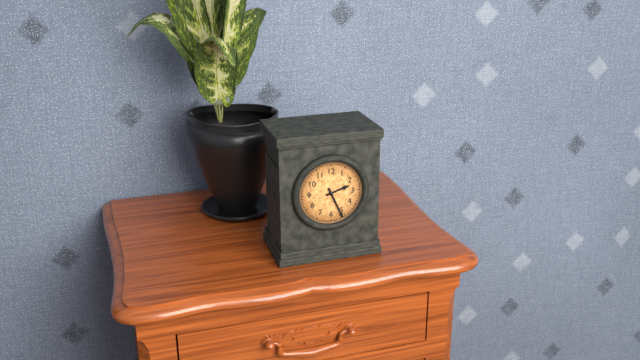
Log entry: {"hour": 2, "minute": 26}
